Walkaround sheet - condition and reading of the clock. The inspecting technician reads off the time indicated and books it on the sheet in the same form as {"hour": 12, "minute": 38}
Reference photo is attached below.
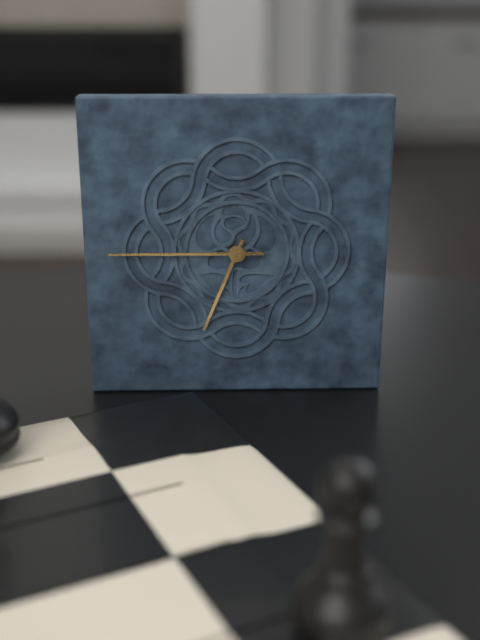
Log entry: {"hour": 6, "minute": 45}
